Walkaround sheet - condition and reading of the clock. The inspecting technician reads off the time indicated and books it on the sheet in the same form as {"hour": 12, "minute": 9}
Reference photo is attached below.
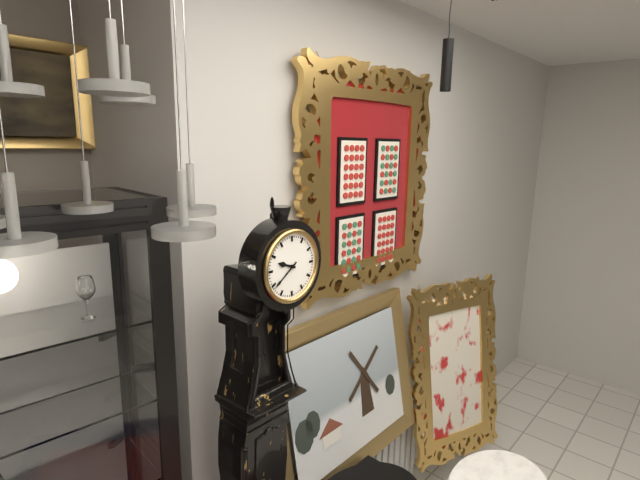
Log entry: {"hour": 9, "minute": 39}
